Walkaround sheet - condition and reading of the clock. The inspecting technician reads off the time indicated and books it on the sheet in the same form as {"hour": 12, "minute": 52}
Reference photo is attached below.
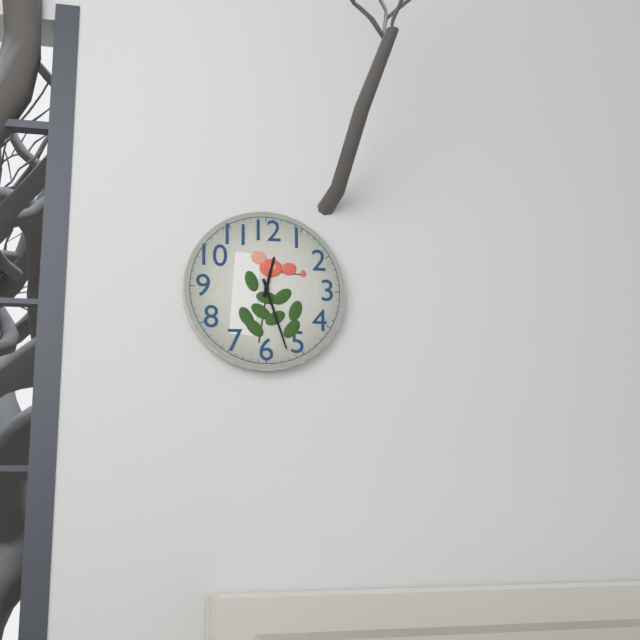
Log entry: {"hour": 12, "minute": 27}
